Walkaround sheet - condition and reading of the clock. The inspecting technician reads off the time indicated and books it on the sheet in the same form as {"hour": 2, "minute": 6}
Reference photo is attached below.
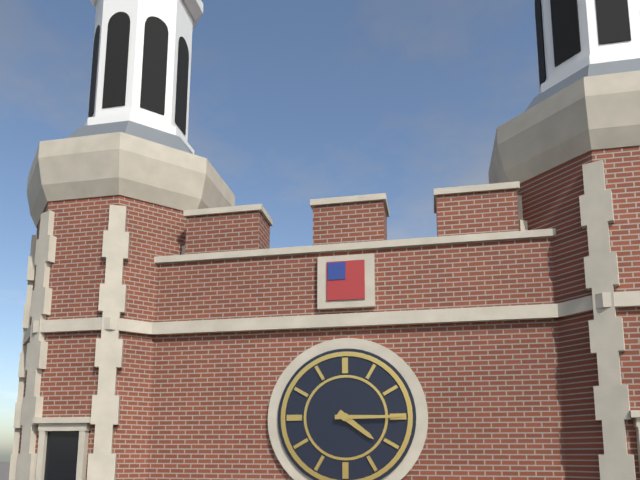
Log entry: {"hour": 4, "minute": 15}
